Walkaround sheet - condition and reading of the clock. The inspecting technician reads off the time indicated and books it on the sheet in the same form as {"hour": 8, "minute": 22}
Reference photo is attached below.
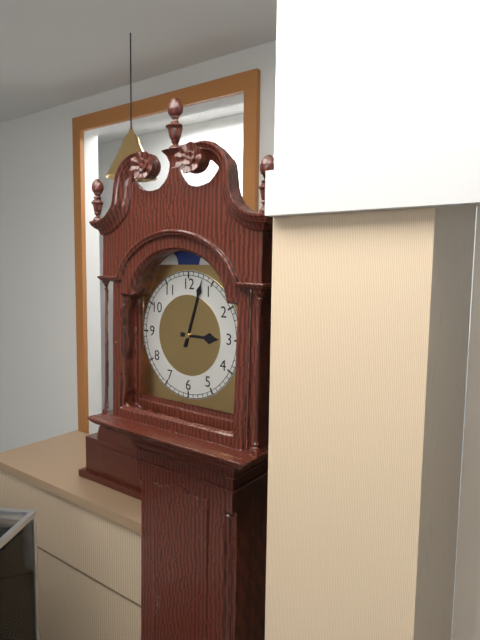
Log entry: {"hour": 3, "minute": 3}
